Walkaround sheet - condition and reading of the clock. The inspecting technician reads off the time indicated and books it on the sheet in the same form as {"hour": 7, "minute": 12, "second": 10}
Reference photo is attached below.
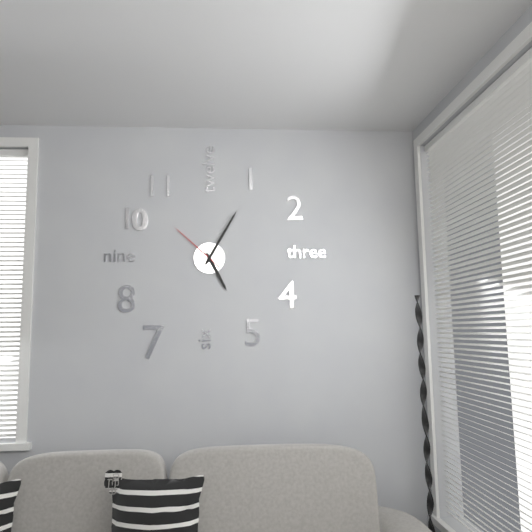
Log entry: {"hour": 5, "minute": 5, "second": 52}
